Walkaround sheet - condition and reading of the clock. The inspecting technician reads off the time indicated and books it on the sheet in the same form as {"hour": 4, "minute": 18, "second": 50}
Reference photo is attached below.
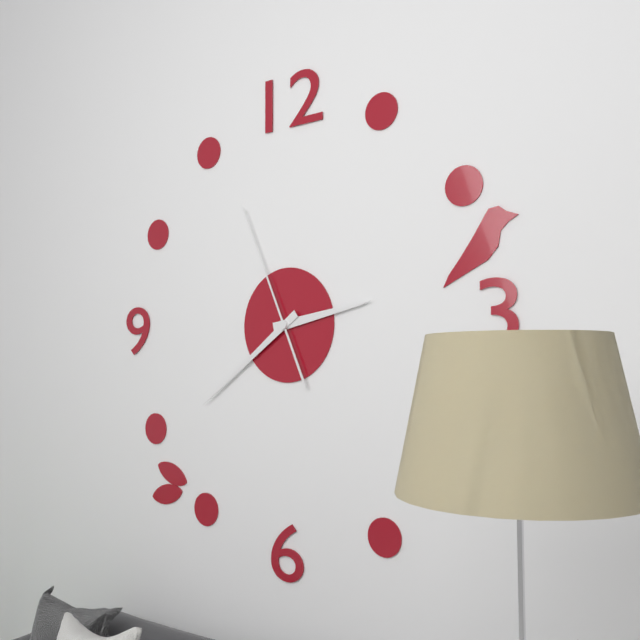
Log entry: {"hour": 2, "minute": 39, "second": 56}
